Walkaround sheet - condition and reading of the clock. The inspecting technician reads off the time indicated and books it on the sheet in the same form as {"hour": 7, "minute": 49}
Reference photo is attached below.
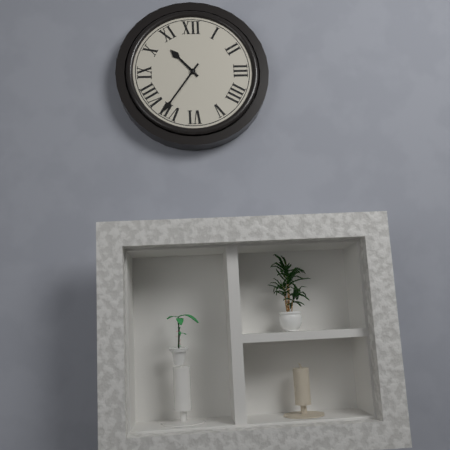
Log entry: {"hour": 10, "minute": 36}
